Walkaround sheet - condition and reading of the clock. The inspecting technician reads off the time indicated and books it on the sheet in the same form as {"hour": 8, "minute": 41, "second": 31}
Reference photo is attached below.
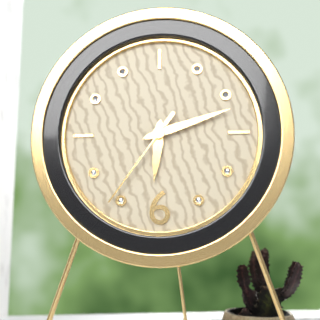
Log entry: {"hour": 6, "minute": 12, "second": 36}
